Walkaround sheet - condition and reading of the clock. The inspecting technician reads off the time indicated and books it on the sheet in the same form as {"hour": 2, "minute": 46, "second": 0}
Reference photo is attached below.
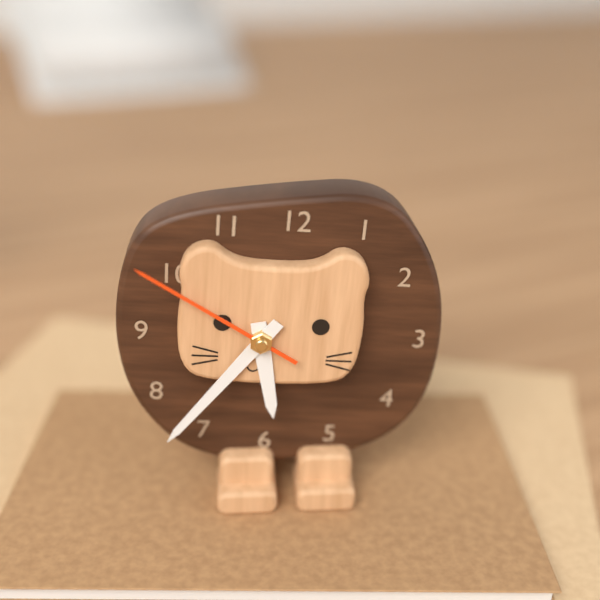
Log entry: {"hour": 5, "minute": 36, "second": 50}
